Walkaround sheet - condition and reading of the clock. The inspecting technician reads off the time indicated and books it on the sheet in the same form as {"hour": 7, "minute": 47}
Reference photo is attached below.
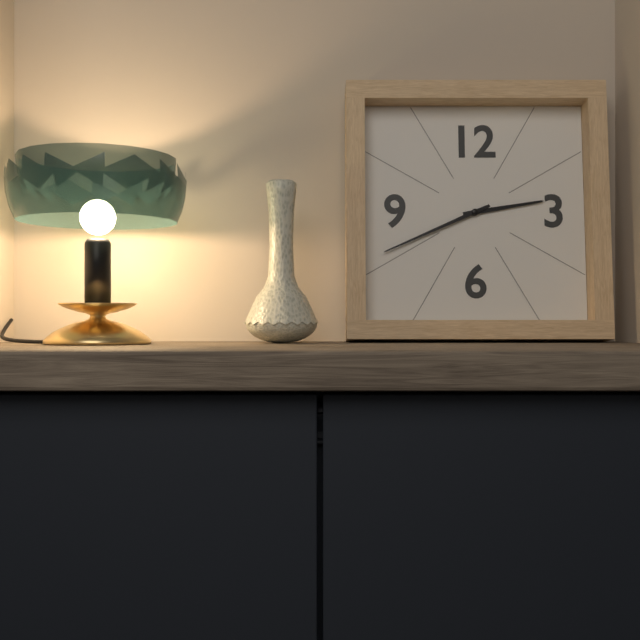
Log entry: {"hour": 2, "minute": 41}
